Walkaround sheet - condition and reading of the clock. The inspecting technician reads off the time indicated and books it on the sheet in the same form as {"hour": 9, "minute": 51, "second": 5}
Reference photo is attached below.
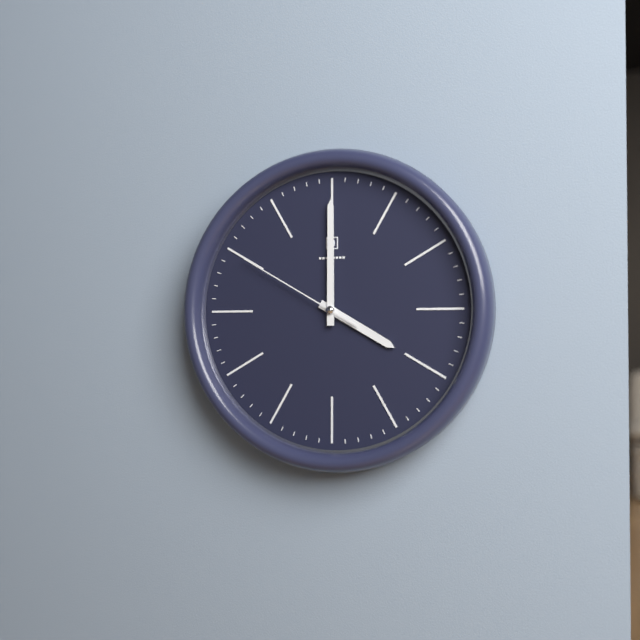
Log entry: {"hour": 4, "minute": 0, "second": 50}
